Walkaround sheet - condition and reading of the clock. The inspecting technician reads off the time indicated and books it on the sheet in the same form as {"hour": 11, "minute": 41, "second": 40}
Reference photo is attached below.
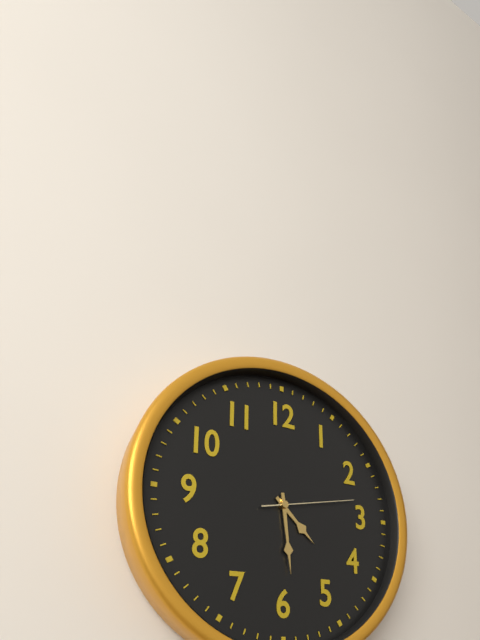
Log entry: {"hour": 4, "minute": 29, "second": 13}
